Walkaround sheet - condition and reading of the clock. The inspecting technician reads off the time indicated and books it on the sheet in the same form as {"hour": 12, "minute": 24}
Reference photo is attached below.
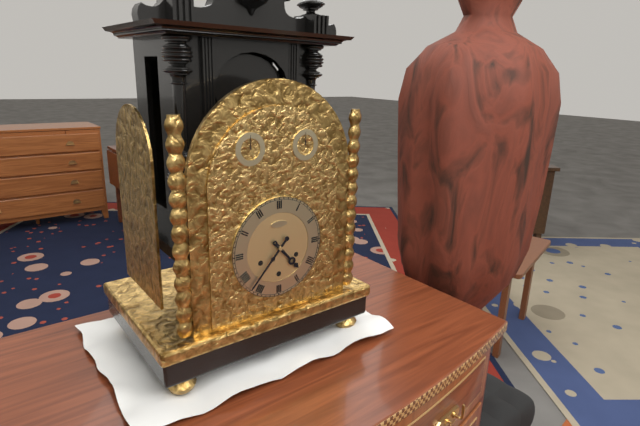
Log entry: {"hour": 4, "minute": 37}
